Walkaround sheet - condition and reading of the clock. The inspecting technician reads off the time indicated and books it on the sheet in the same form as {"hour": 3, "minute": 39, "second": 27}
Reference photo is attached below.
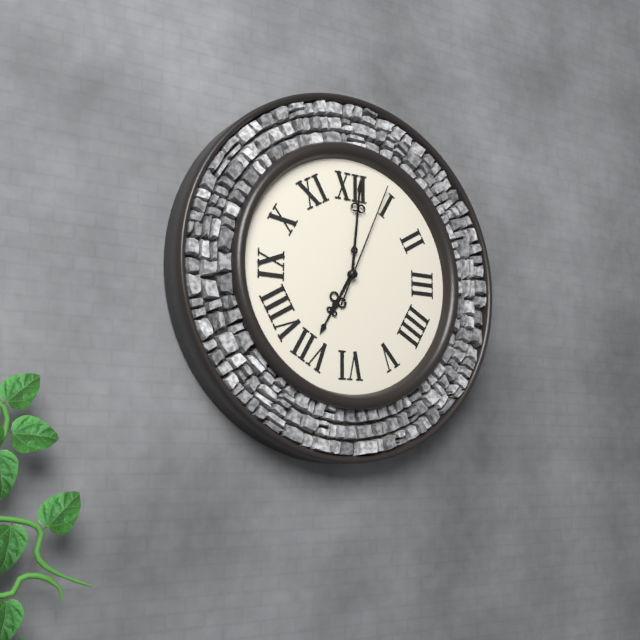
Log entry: {"hour": 7, "minute": 1, "second": 4}
